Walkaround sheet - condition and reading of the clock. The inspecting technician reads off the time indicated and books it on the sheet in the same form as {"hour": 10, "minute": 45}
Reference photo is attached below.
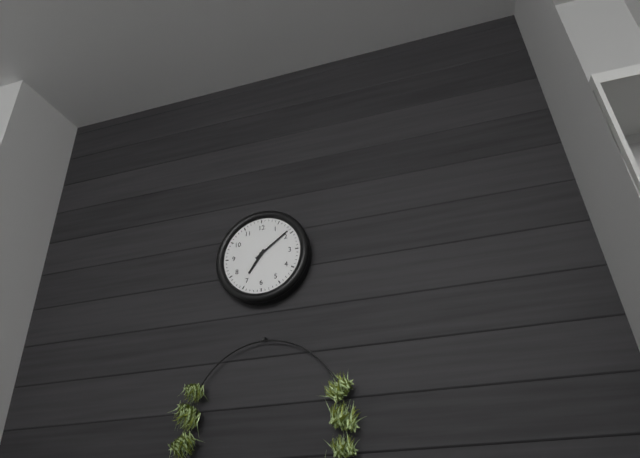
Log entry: {"hour": 7, "minute": 9}
